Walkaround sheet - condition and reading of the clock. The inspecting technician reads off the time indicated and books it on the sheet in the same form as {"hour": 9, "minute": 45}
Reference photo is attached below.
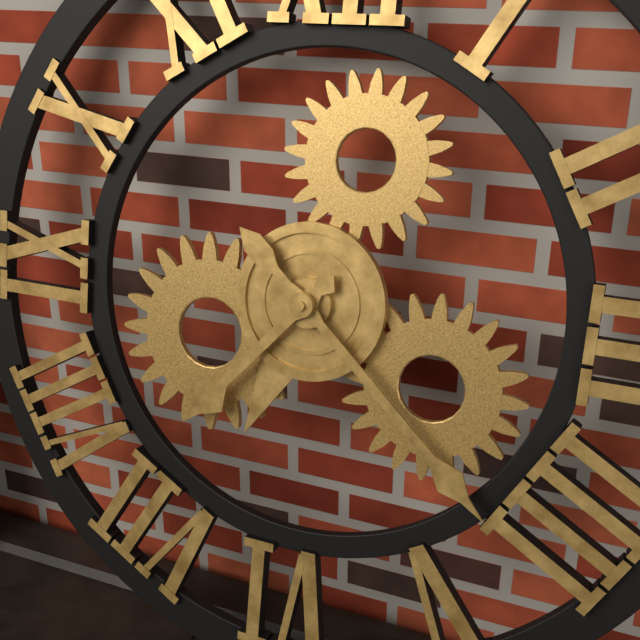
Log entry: {"hour": 7, "minute": 22}
